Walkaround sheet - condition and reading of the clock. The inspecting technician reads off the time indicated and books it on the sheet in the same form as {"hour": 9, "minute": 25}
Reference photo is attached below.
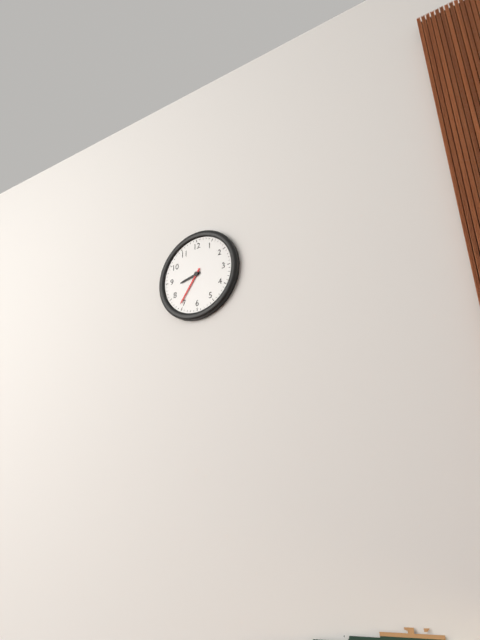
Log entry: {"hour": 8, "minute": 36}
